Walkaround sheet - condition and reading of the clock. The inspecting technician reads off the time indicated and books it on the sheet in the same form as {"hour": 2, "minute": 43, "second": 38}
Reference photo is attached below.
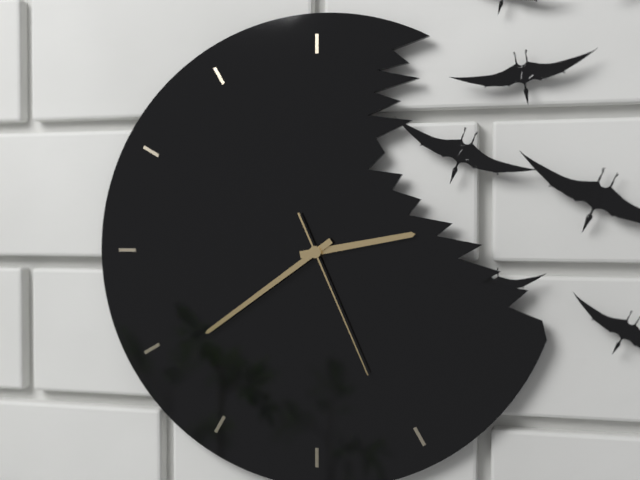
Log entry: {"hour": 2, "minute": 39, "second": 26}
